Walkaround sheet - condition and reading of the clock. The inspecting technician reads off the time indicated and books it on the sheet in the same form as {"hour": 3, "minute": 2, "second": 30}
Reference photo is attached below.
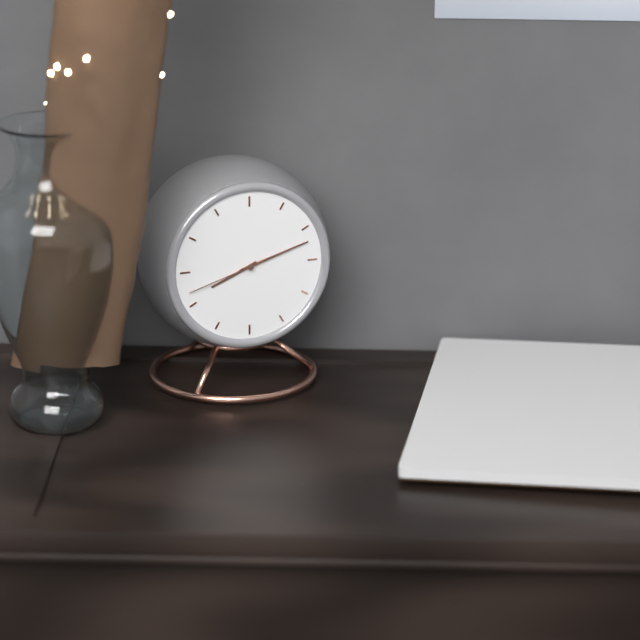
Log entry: {"hour": 8, "minute": 12, "second": 42}
